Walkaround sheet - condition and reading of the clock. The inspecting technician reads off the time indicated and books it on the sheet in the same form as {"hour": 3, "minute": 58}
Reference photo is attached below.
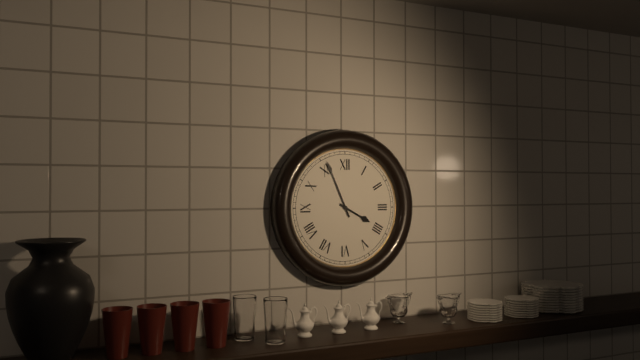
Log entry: {"hour": 3, "minute": 56}
